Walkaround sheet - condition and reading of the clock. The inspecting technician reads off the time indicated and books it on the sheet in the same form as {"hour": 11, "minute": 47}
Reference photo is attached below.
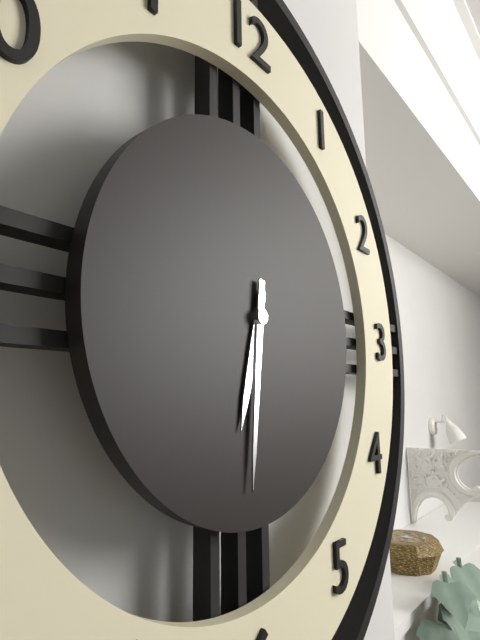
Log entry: {"hour": 6, "minute": 31}
